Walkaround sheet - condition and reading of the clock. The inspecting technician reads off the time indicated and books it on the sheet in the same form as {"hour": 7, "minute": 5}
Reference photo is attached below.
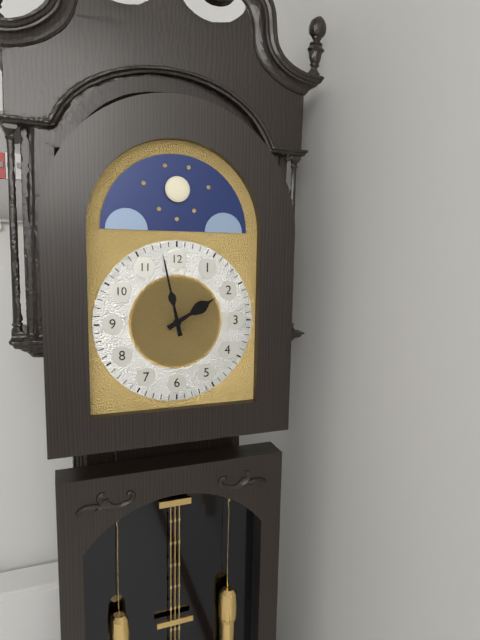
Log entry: {"hour": 1, "minute": 58}
